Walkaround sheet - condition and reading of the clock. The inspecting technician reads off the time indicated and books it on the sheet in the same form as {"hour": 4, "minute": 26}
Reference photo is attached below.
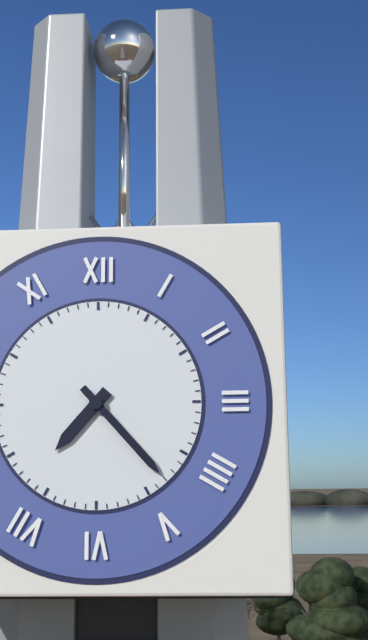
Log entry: {"hour": 7, "minute": 23}
